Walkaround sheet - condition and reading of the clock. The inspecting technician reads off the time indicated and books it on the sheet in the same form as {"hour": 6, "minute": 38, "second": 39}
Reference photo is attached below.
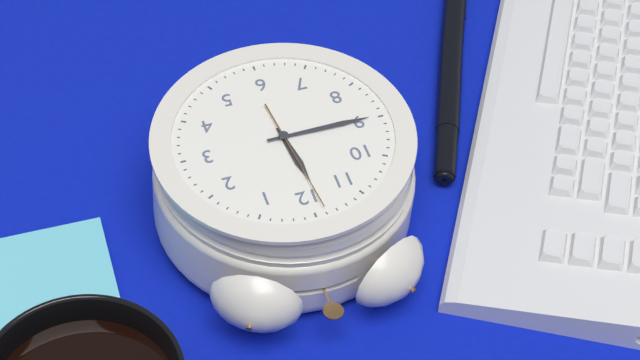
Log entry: {"hour": 11, "minute": 45, "second": 59}
